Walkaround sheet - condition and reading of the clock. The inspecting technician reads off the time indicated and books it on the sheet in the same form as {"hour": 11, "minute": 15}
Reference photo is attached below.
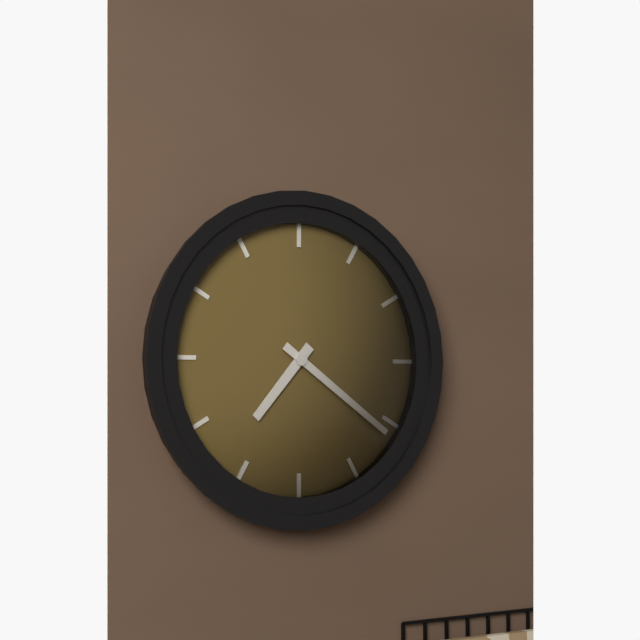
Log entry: {"hour": 7, "minute": 21}
